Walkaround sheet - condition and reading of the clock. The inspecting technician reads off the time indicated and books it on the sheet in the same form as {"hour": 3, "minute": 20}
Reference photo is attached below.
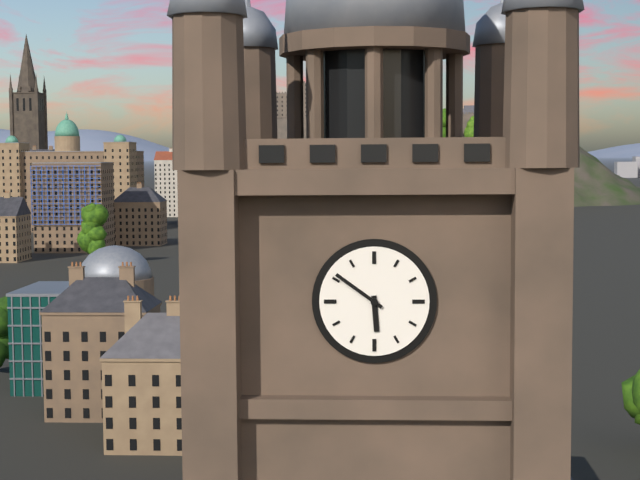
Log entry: {"hour": 5, "minute": 51}
